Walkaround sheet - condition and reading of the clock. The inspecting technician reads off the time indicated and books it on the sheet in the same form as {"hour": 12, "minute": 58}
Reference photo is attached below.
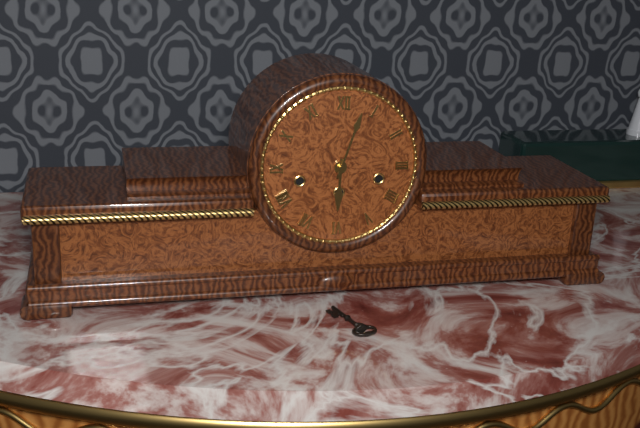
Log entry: {"hour": 6, "minute": 3}
